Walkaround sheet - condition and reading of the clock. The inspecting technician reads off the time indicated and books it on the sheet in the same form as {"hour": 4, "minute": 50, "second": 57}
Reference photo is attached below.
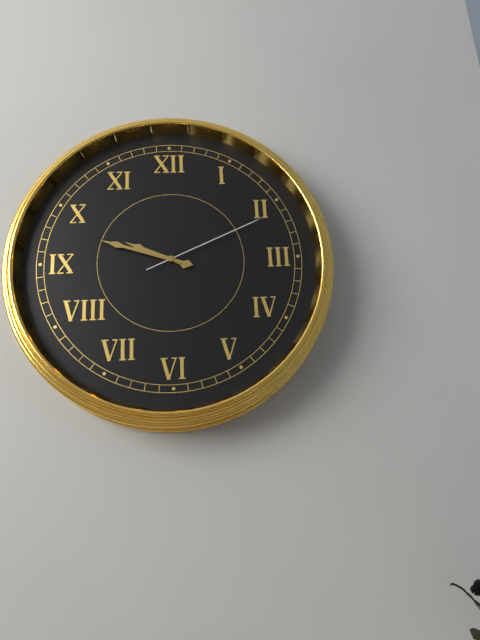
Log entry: {"hour": 9, "minute": 48, "second": 11}
